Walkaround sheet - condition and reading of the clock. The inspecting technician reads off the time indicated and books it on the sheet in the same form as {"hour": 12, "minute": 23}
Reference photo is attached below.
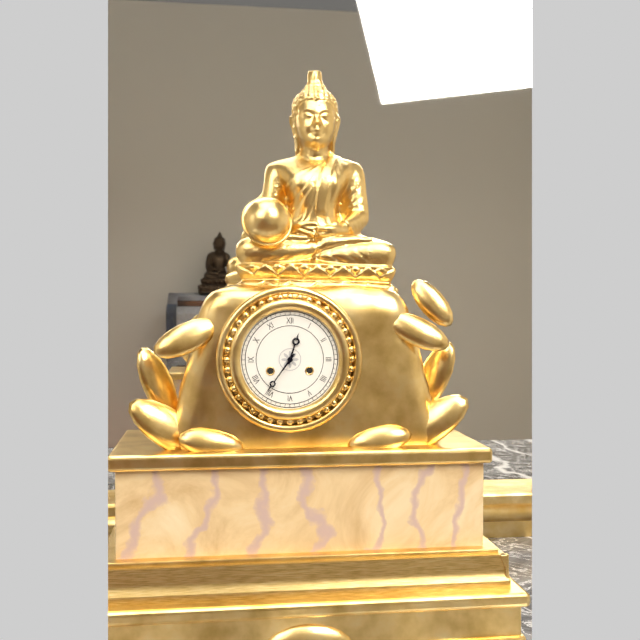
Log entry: {"hour": 12, "minute": 36}
